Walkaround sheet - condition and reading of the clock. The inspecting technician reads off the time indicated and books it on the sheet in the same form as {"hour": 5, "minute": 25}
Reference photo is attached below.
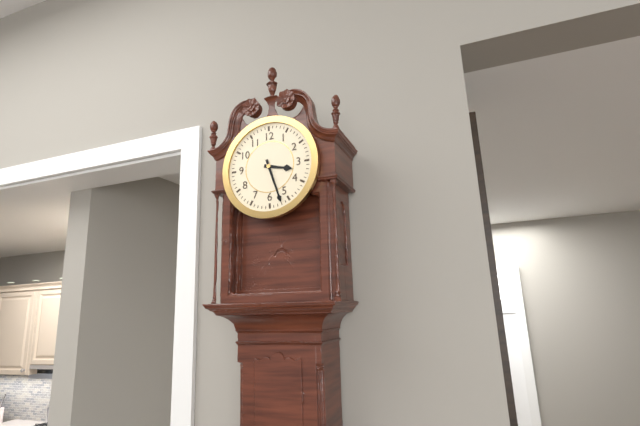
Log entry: {"hour": 3, "minute": 27}
